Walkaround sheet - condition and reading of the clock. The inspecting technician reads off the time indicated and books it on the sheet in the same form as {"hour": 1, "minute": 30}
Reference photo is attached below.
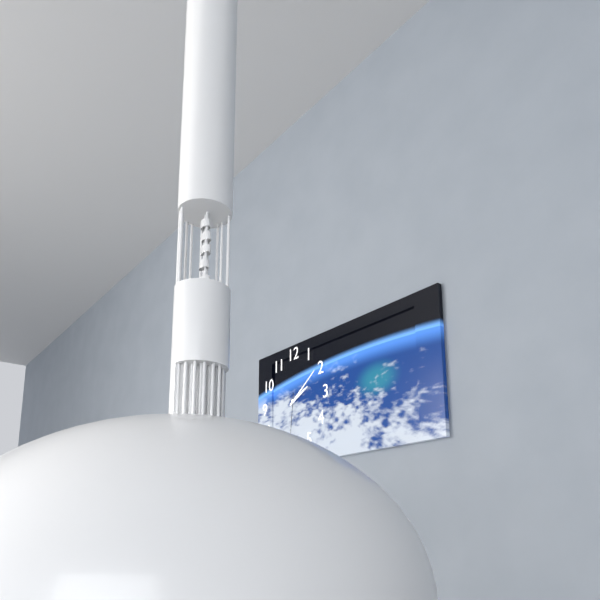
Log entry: {"hour": 2, "minute": 9}
